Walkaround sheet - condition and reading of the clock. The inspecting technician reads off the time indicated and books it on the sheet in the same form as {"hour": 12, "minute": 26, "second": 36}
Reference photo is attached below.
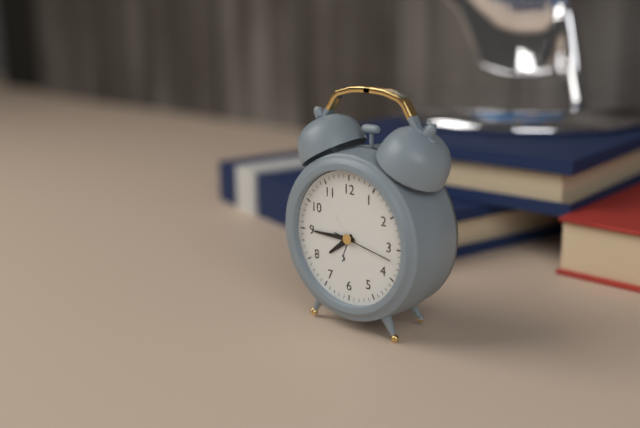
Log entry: {"hour": 7, "minute": 45, "second": 17}
